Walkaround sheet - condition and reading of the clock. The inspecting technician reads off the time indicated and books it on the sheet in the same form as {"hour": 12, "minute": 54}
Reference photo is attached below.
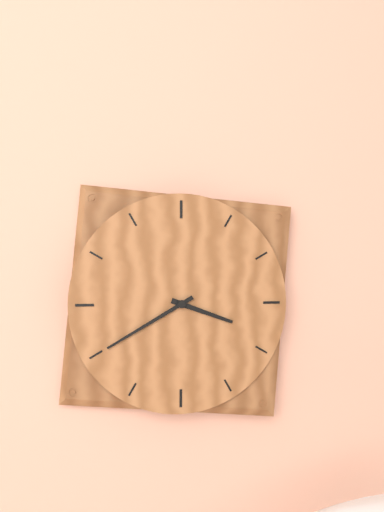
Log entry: {"hour": 3, "minute": 40}
